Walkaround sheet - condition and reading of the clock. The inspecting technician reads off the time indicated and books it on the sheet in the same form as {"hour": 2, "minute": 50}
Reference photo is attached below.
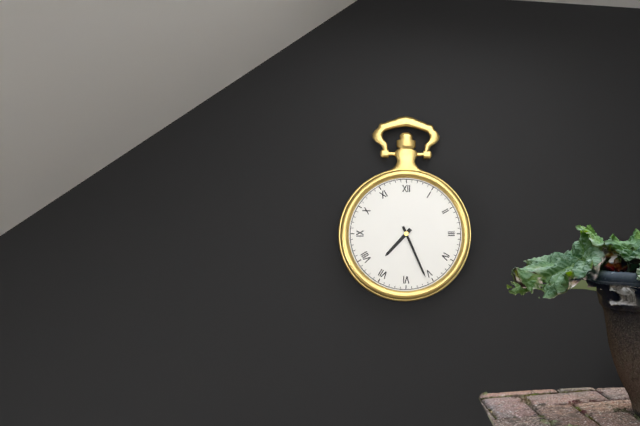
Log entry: {"hour": 7, "minute": 26}
